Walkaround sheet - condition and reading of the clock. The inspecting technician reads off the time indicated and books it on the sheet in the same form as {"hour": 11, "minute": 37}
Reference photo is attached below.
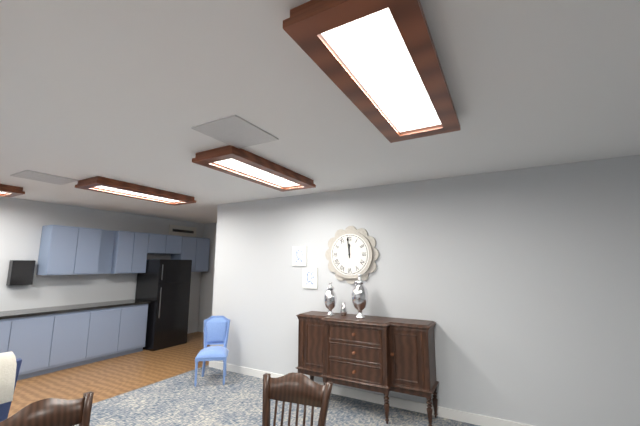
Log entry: {"hour": 11, "minute": 59}
